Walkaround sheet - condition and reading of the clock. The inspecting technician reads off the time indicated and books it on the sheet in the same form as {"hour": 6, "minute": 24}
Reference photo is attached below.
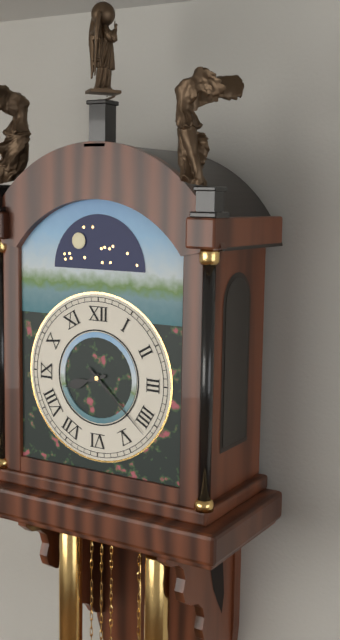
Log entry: {"hour": 8, "minute": 22}
